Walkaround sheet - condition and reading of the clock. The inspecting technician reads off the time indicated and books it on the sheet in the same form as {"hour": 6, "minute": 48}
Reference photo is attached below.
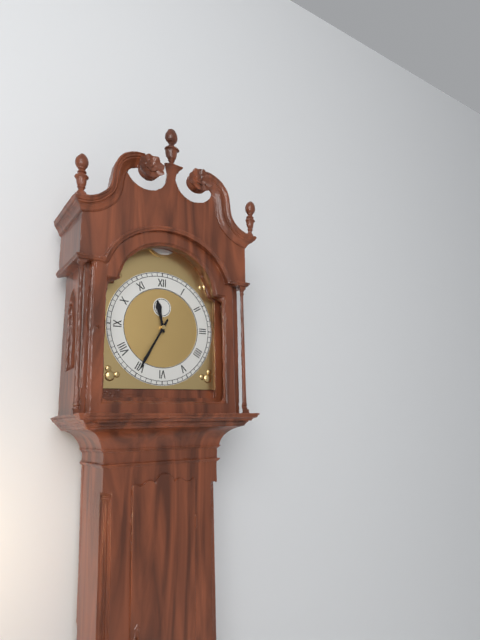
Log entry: {"hour": 11, "minute": 35}
